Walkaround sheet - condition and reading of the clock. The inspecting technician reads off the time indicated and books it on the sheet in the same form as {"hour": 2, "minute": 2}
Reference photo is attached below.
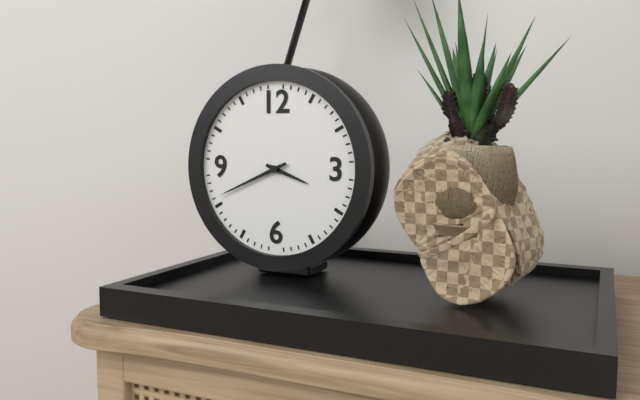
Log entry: {"hour": 3, "minute": 41}
